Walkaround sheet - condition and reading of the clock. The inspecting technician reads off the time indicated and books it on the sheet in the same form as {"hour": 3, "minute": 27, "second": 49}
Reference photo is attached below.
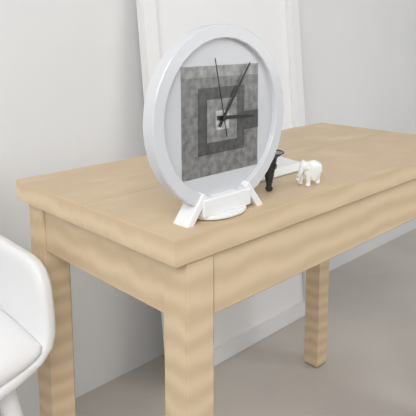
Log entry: {"hour": 3, "minute": 6, "second": 58}
